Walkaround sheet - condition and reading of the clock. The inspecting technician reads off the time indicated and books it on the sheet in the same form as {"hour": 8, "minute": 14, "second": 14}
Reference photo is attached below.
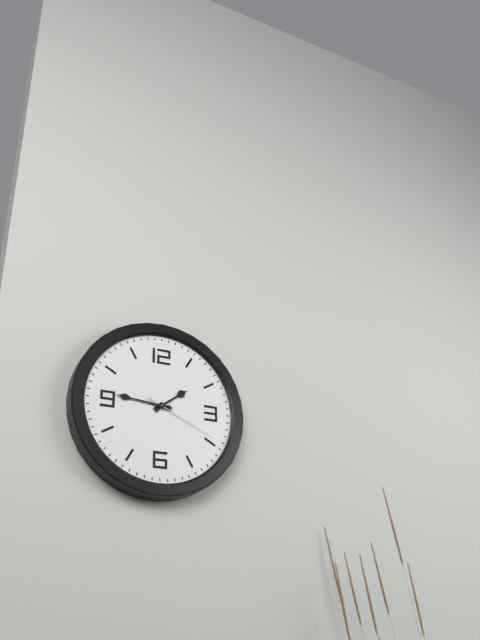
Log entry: {"hour": 1, "minute": 46, "second": 19}
